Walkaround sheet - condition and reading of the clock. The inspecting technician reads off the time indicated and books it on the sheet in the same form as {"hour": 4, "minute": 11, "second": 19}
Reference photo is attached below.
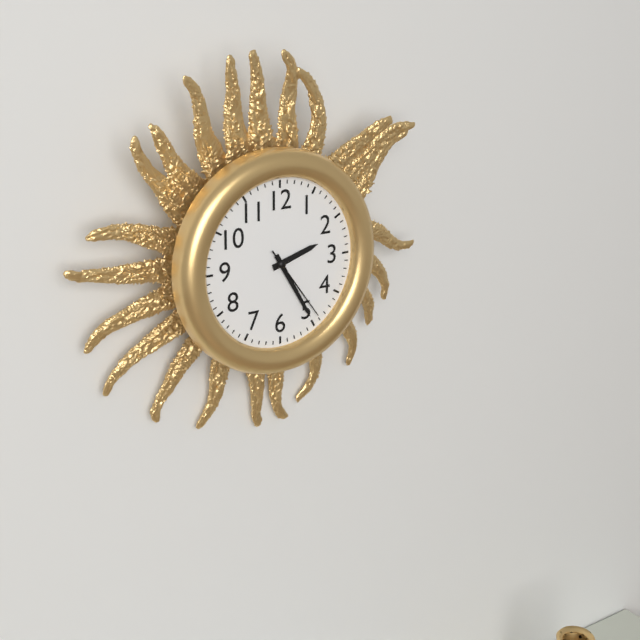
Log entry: {"hour": 2, "minute": 25, "second": 24}
